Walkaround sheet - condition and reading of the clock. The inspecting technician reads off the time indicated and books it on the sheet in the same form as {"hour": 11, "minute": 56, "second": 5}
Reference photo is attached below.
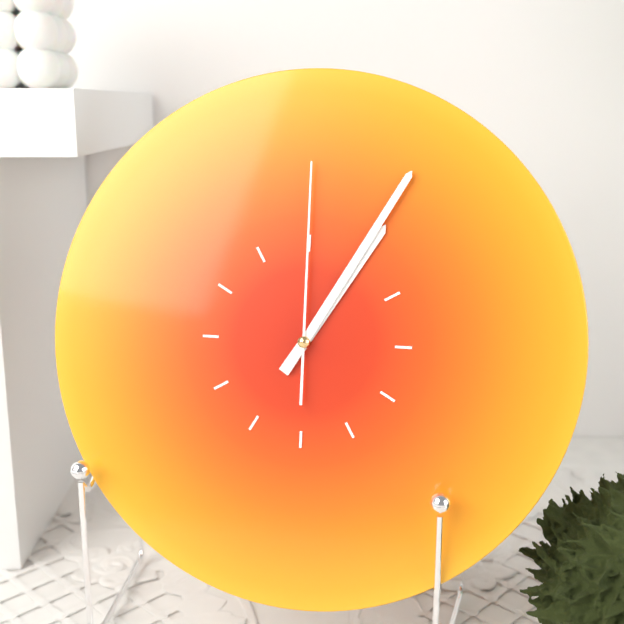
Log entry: {"hour": 1, "minute": 5, "second": 0}
